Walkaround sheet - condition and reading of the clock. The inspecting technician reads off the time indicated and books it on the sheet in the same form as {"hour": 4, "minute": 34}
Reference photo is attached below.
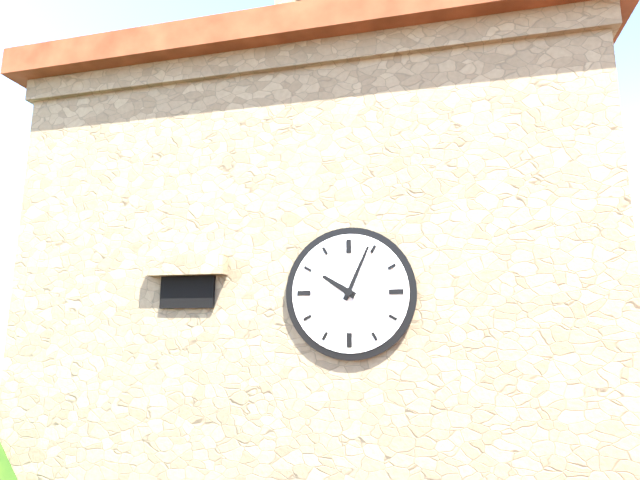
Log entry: {"hour": 10, "minute": 4}
